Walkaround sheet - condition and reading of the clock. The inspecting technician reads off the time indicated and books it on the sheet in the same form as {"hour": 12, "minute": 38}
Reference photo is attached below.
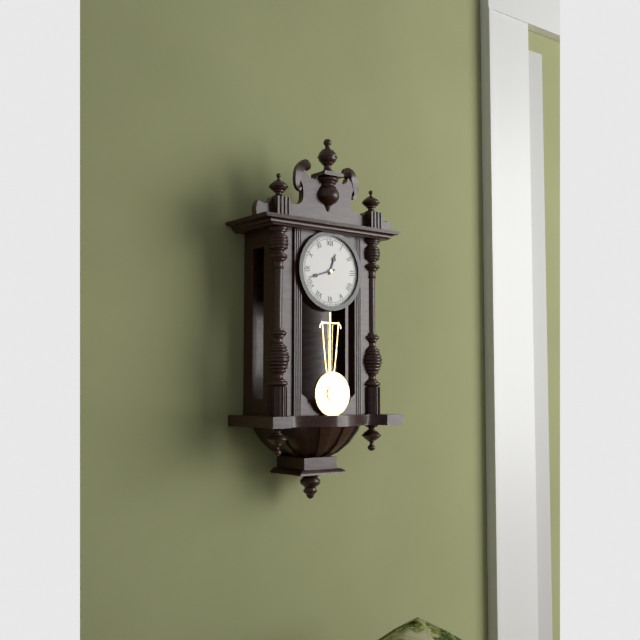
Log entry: {"hour": 12, "minute": 42}
